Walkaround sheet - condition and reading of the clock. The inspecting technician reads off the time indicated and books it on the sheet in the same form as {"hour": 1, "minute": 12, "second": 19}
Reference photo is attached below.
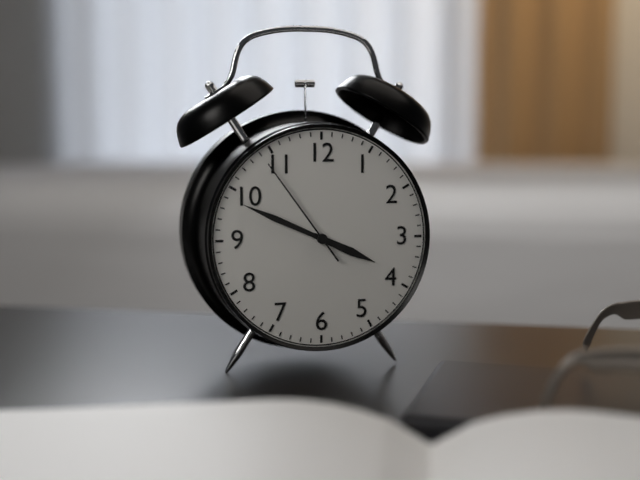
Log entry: {"hour": 3, "minute": 49, "second": 54}
